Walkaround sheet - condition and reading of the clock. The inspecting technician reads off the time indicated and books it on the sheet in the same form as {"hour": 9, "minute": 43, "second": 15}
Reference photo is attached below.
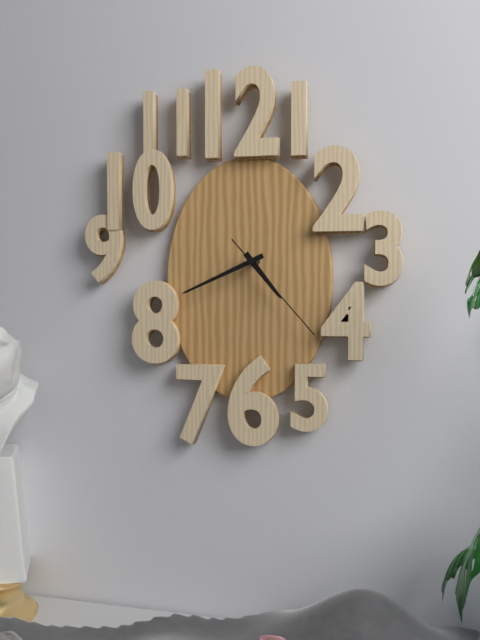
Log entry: {"hour": 4, "minute": 41, "second": 23}
